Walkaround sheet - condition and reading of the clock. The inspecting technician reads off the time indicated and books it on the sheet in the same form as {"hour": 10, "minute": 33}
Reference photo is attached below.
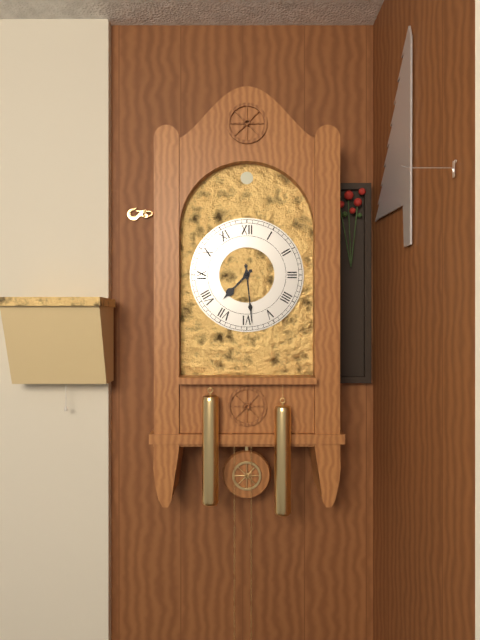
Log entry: {"hour": 7, "minute": 29}
